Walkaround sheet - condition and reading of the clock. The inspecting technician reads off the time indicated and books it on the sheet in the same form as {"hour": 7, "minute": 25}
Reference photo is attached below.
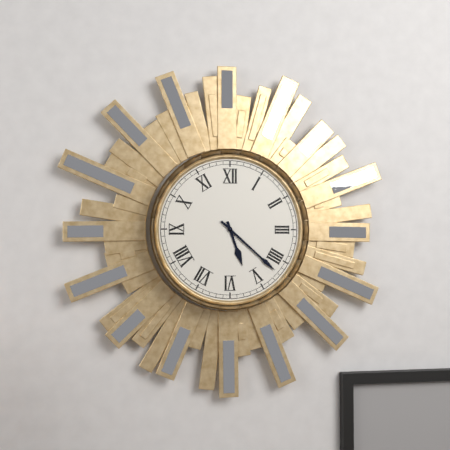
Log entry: {"hour": 5, "minute": 22}
